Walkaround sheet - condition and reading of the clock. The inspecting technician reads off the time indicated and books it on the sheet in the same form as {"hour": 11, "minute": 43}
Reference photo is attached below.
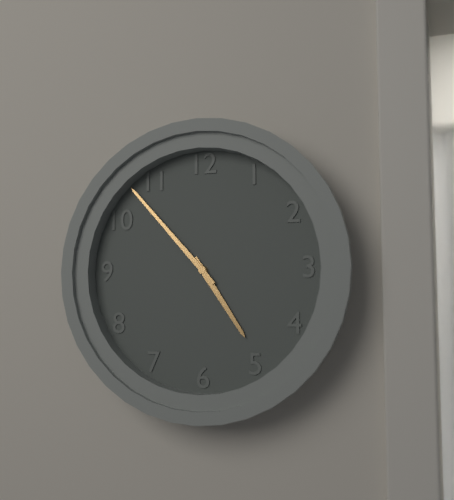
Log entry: {"hour": 4, "minute": 53}
